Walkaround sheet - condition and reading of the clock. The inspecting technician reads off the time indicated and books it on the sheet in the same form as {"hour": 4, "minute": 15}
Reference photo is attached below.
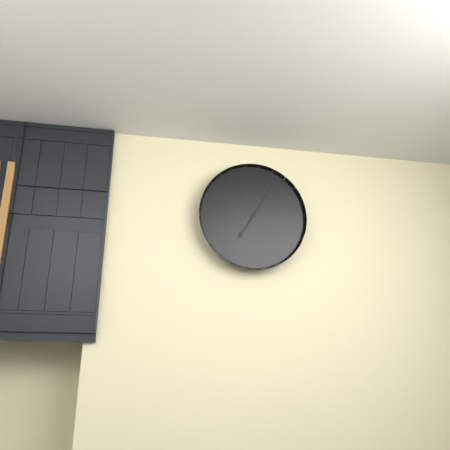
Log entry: {"hour": 7, "minute": 5}
